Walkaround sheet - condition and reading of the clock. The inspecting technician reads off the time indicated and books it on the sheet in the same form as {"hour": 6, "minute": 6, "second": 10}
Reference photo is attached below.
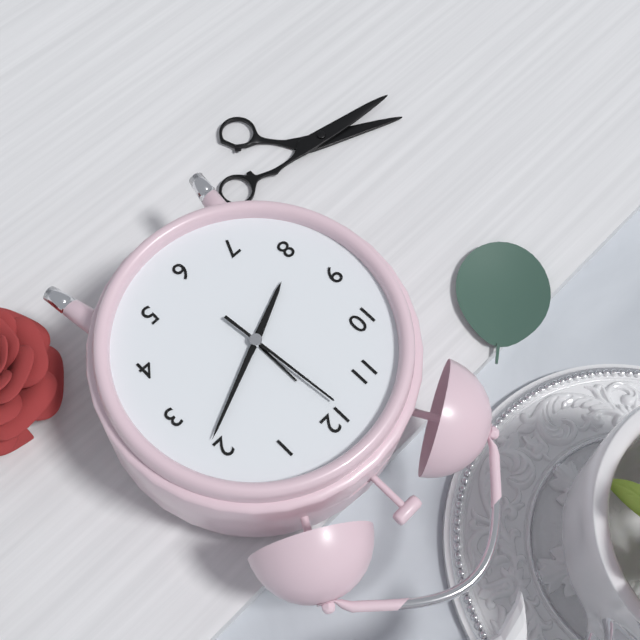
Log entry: {"hour": 8, "minute": 11, "second": 59}
